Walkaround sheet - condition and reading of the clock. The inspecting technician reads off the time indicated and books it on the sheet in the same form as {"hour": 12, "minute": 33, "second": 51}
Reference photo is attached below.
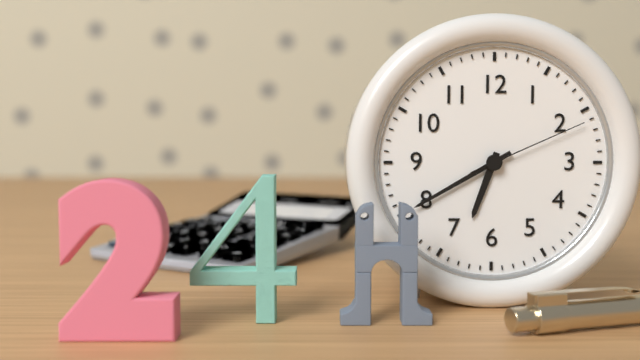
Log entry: {"hour": 6, "minute": 40, "second": 11}
